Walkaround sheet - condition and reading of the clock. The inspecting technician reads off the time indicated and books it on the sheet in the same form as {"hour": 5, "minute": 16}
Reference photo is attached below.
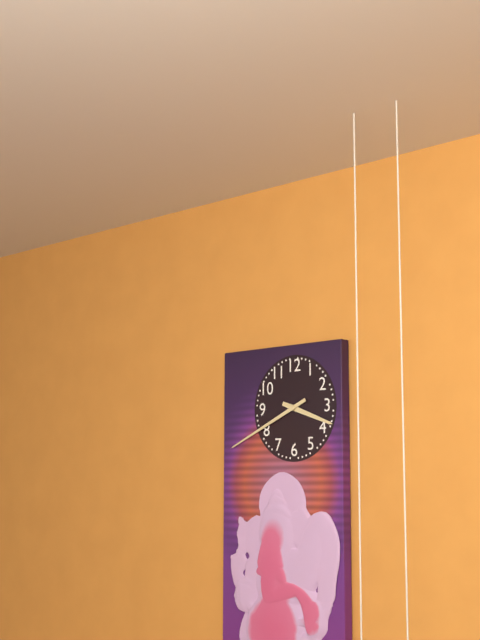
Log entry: {"hour": 3, "minute": 41}
